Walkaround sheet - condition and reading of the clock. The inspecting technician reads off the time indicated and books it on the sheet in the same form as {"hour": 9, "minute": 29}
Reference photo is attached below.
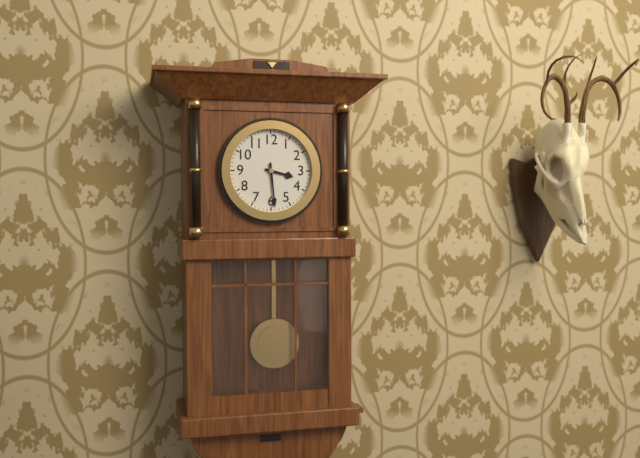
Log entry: {"hour": 3, "minute": 29}
